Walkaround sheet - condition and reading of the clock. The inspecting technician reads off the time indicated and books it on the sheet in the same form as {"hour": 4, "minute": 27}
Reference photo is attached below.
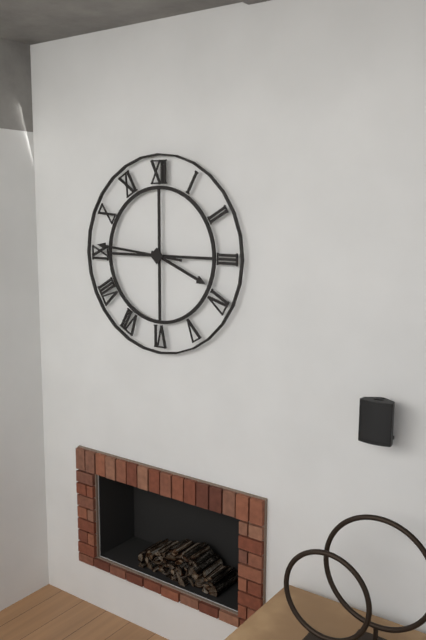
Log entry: {"hour": 3, "minute": 46}
